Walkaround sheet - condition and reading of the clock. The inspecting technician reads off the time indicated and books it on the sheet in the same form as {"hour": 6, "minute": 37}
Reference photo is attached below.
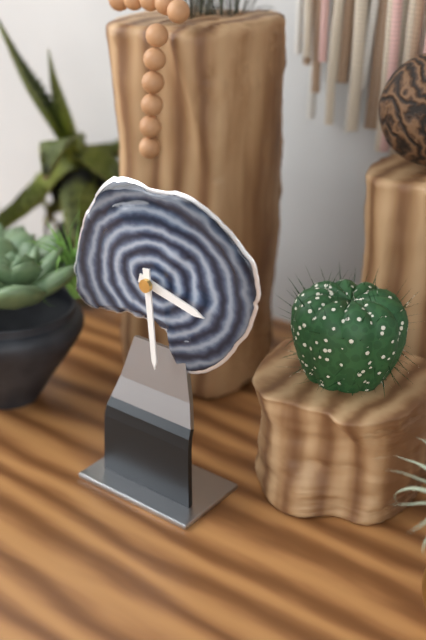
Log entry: {"hour": 3, "minute": 29}
